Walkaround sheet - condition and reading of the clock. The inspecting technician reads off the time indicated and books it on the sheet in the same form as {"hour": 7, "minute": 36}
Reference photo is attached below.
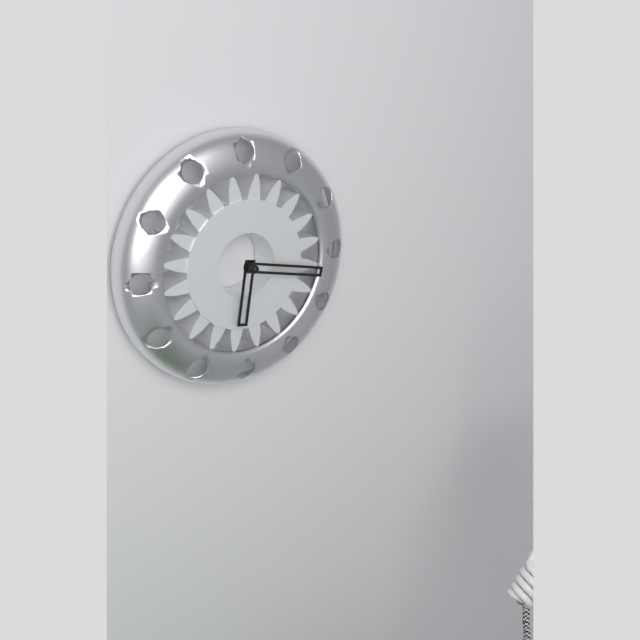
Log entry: {"hour": 6, "minute": 17}
